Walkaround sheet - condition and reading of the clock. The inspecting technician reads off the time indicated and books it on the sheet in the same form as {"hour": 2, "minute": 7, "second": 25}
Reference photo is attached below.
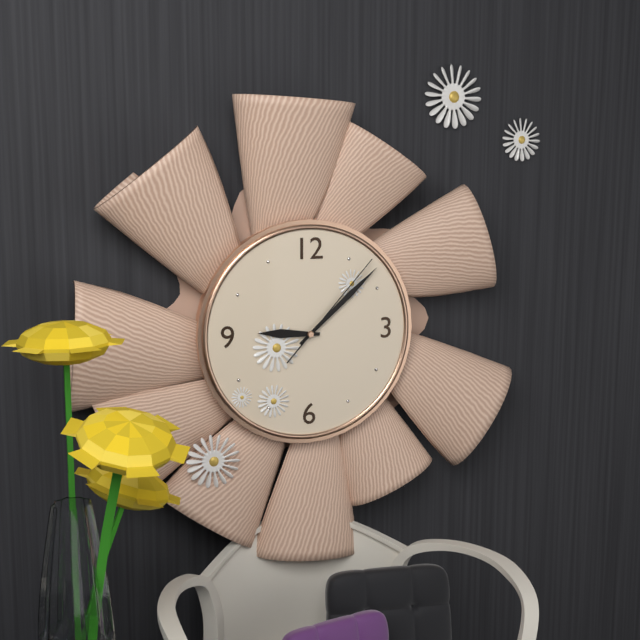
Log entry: {"hour": 9, "minute": 8, "second": 7}
